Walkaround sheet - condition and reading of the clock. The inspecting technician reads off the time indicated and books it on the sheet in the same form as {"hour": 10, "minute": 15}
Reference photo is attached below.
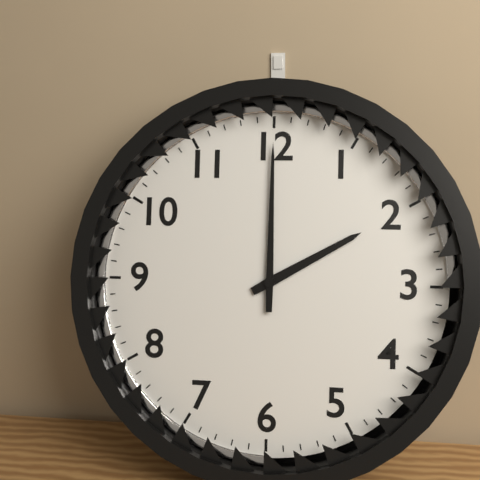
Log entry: {"hour": 2, "minute": 0}
